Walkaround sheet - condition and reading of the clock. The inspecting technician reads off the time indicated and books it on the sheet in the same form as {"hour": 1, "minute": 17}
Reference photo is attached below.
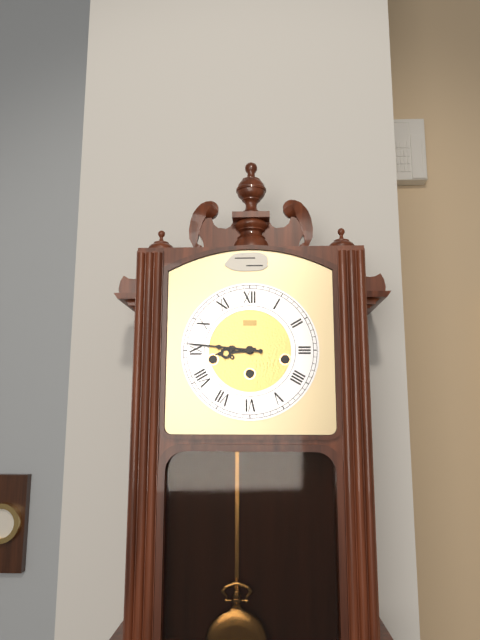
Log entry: {"hour": 8, "minute": 46}
